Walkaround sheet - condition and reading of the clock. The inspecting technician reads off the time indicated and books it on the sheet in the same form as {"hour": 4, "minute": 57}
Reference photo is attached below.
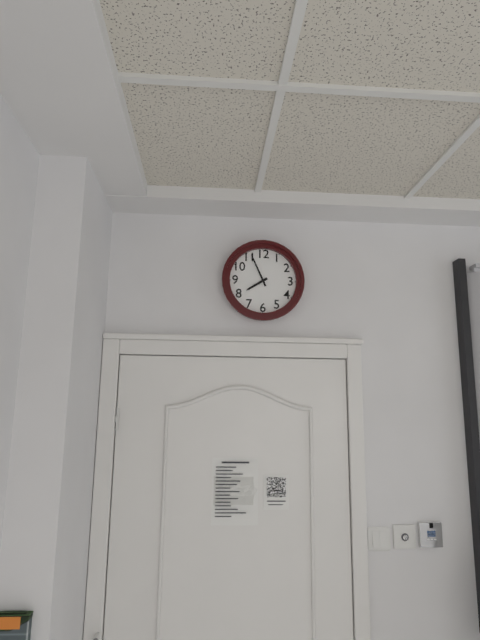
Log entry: {"hour": 7, "minute": 56}
